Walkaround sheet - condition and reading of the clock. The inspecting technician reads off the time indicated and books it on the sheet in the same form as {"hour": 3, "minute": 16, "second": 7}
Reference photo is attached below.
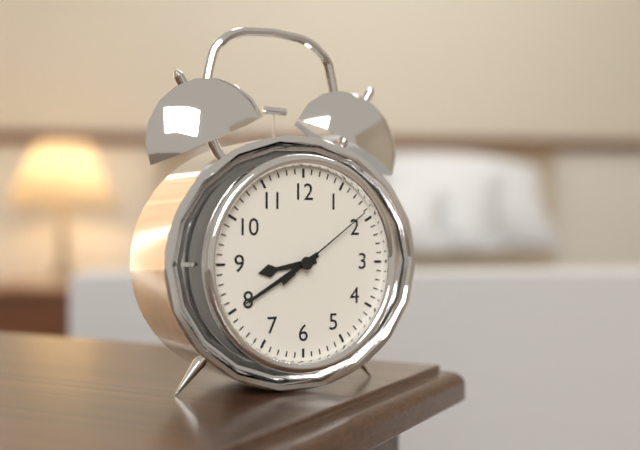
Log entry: {"hour": 8, "minute": 40, "second": 9}
